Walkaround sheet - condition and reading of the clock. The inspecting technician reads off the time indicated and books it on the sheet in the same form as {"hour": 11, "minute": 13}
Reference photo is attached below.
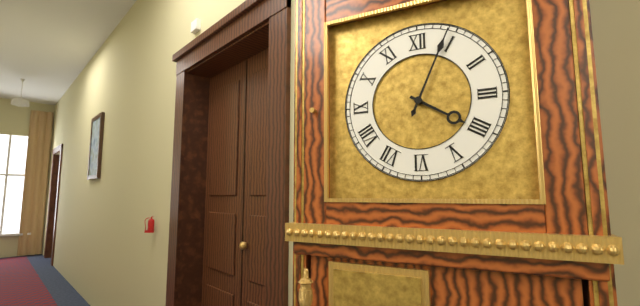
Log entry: {"hour": 4, "minute": 4}
